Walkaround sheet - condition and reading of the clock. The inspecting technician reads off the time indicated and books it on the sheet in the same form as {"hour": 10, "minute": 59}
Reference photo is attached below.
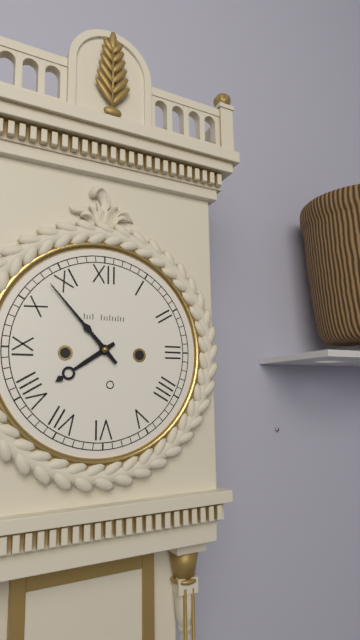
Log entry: {"hour": 7, "minute": 53}
